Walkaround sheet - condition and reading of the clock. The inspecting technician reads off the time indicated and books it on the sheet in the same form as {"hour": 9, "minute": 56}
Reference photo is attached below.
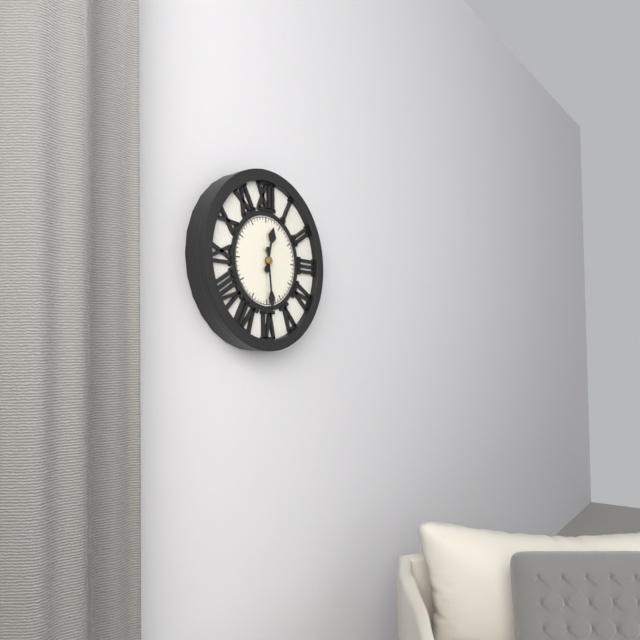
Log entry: {"hour": 12, "minute": 29}
